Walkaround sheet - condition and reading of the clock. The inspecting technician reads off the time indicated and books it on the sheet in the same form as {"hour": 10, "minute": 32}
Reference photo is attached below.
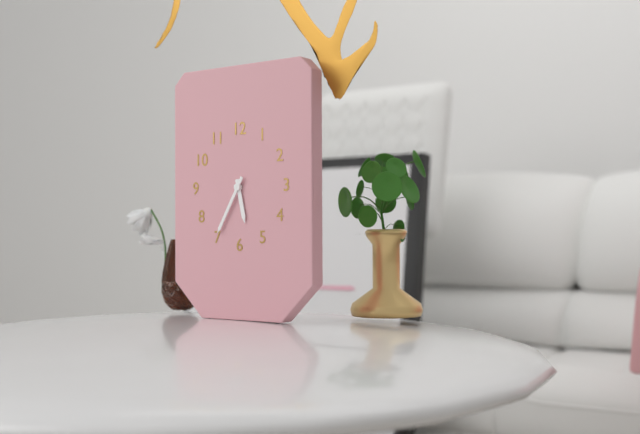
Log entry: {"hour": 5, "minute": 35}
